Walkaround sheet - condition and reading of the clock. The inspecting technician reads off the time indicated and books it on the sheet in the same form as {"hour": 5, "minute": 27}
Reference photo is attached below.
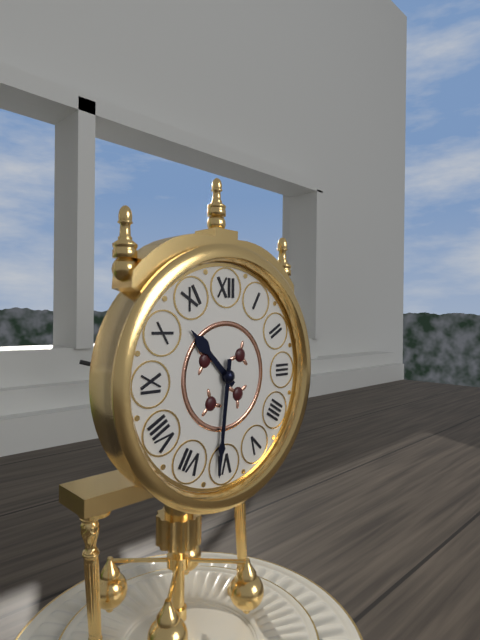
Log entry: {"hour": 10, "minute": 31}
